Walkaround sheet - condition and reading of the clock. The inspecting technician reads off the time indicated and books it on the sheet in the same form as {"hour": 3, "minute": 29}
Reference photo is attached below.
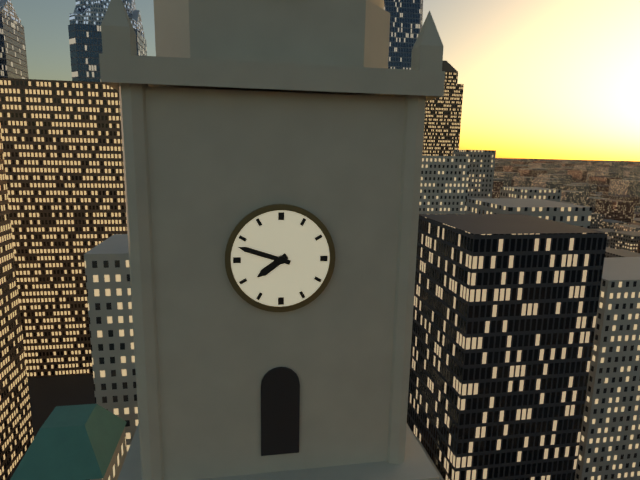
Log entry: {"hour": 7, "minute": 48}
